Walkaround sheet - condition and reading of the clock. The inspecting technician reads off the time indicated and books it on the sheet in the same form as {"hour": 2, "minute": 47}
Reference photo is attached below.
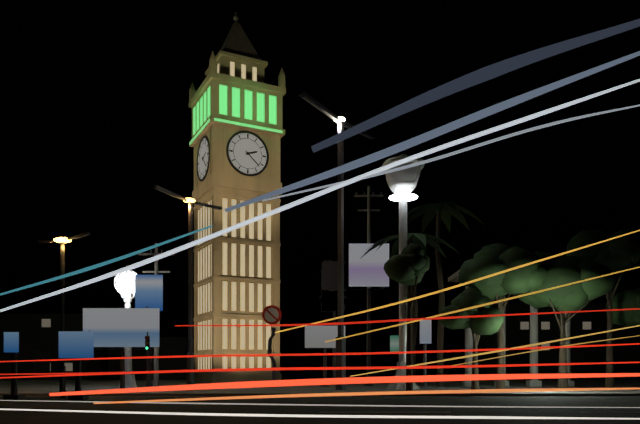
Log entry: {"hour": 2, "minute": 22}
